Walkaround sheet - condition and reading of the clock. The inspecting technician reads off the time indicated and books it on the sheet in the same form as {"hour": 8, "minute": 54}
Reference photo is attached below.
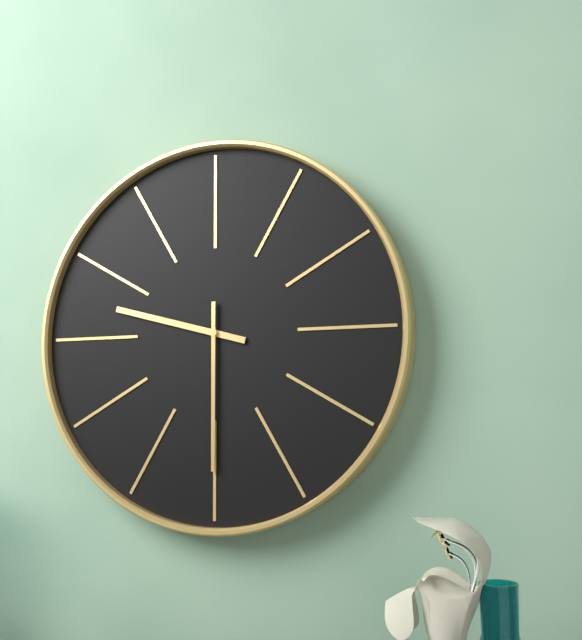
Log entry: {"hour": 9, "minute": 30}
